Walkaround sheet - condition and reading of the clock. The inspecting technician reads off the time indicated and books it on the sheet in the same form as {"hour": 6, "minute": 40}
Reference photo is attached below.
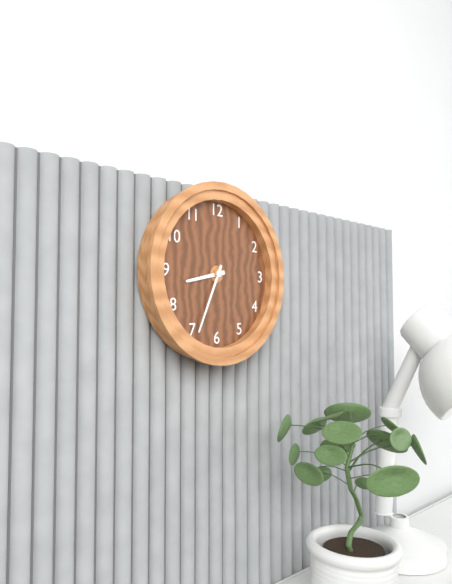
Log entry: {"hour": 8, "minute": 34}
